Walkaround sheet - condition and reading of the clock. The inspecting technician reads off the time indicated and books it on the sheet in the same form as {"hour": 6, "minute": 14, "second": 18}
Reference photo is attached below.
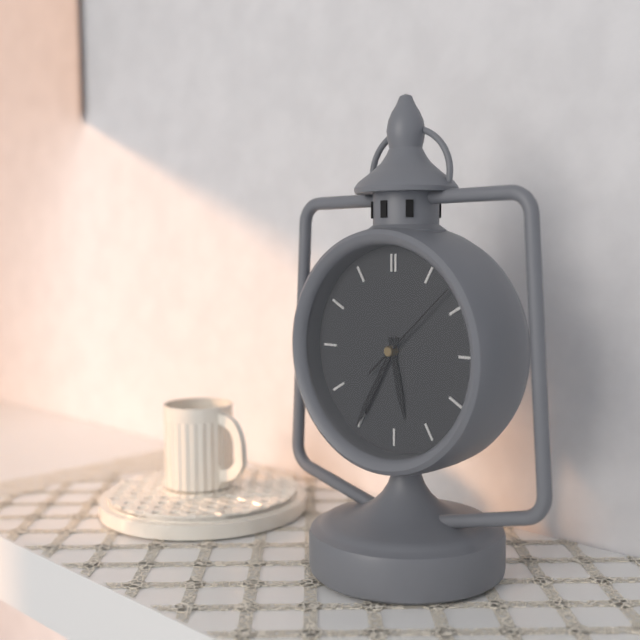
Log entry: {"hour": 5, "minute": 35, "second": 8}
